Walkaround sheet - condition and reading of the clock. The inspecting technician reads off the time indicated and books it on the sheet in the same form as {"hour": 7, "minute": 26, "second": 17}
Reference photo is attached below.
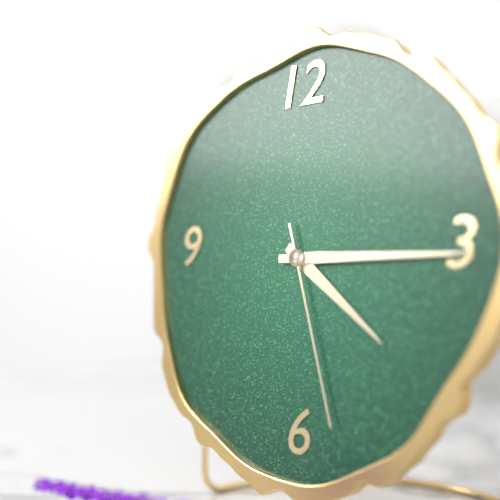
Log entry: {"hour": 4, "minute": 15, "second": 27}
